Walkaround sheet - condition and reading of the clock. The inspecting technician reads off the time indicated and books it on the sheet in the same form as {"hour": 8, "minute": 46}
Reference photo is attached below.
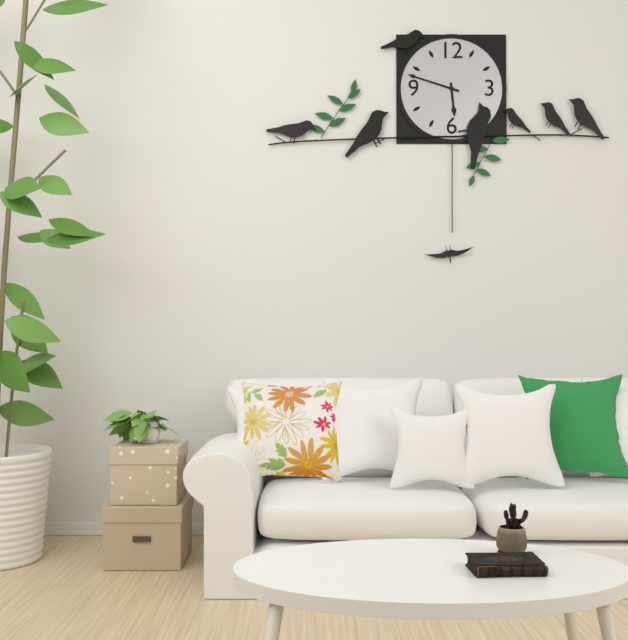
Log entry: {"hour": 5, "minute": 48}
